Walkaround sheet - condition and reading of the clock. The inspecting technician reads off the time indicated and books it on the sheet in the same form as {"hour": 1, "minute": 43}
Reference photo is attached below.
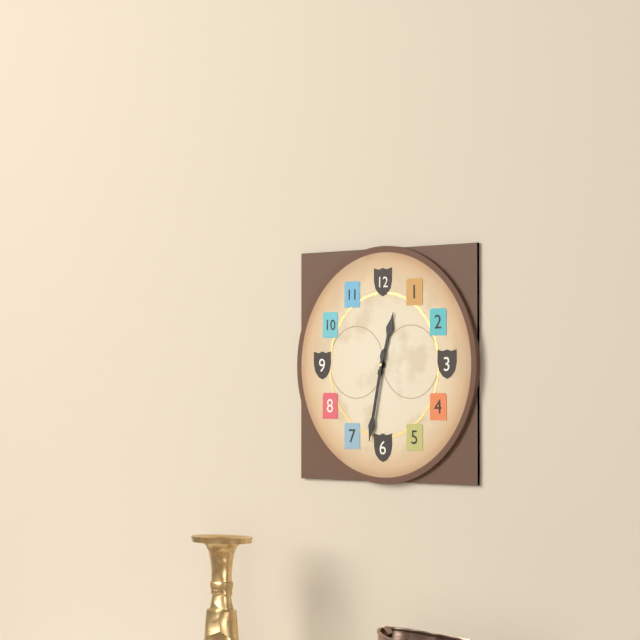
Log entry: {"hour": 12, "minute": 32}
